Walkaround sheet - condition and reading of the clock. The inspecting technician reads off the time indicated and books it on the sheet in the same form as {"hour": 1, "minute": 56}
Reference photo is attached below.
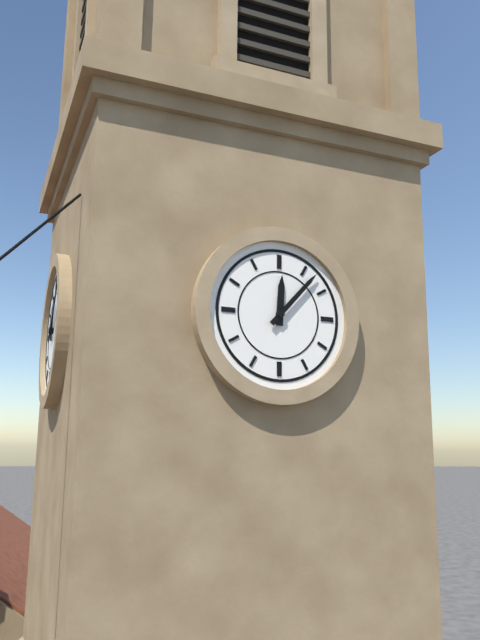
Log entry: {"hour": 12, "minute": 7}
